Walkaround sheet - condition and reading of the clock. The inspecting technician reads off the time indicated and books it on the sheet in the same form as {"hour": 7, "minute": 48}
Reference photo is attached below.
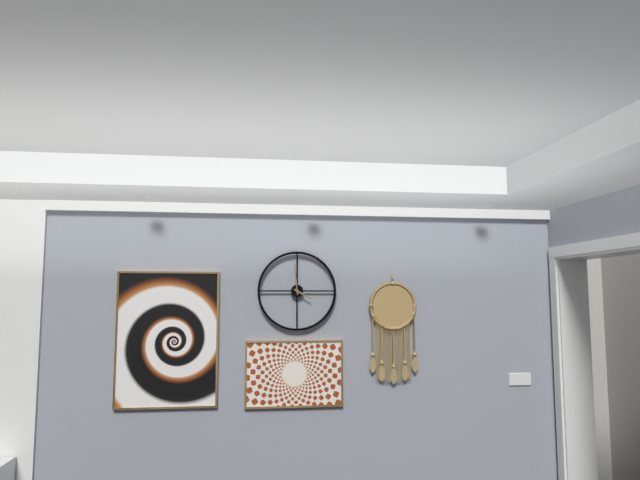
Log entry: {"hour": 3, "minute": 59}
